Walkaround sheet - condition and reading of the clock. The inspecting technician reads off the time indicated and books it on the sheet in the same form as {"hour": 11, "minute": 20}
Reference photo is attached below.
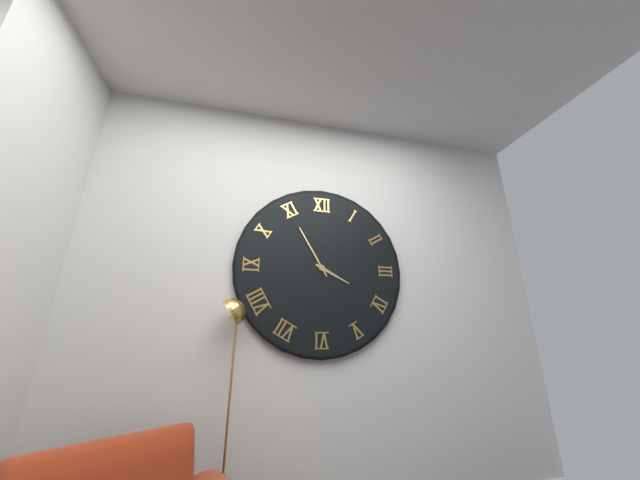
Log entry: {"hour": 3, "minute": 55}
